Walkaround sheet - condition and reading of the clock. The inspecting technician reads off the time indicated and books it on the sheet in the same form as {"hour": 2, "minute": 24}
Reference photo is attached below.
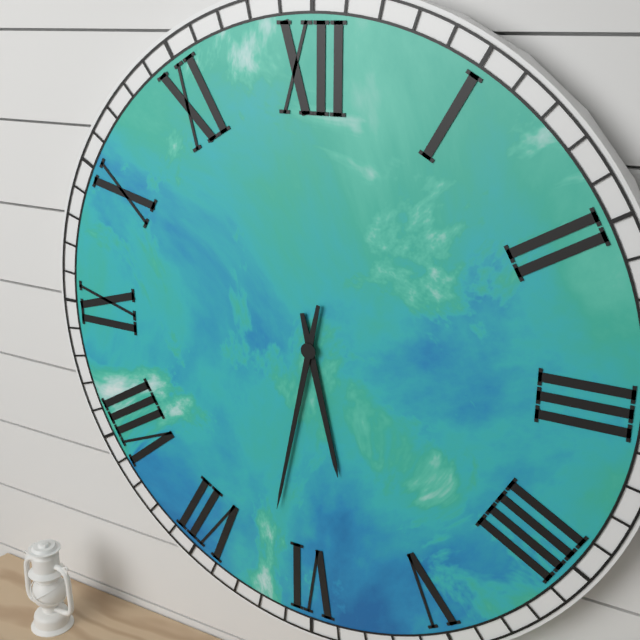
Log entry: {"hour": 5, "minute": 32}
